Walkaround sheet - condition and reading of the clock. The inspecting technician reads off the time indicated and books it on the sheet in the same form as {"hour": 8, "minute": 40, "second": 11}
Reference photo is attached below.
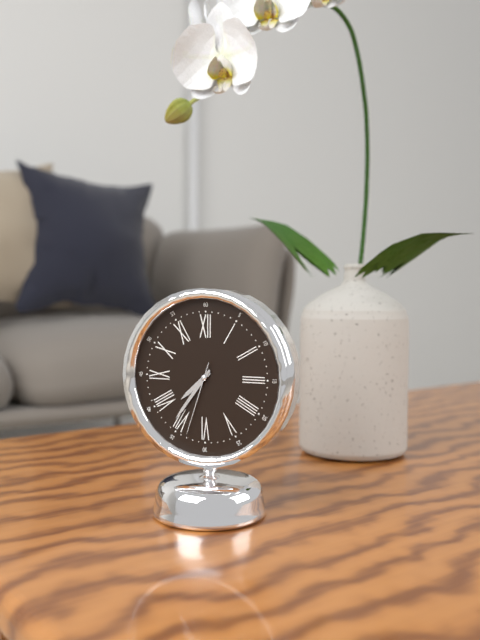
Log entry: {"hour": 7, "minute": 36, "second": 33}
